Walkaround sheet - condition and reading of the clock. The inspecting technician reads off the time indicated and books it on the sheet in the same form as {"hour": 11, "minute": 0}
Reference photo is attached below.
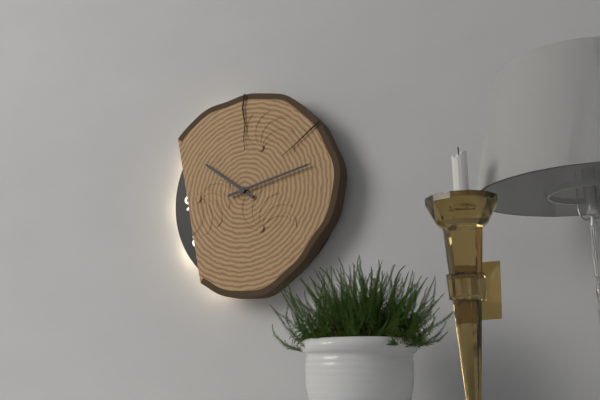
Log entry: {"hour": 10, "minute": 13}
